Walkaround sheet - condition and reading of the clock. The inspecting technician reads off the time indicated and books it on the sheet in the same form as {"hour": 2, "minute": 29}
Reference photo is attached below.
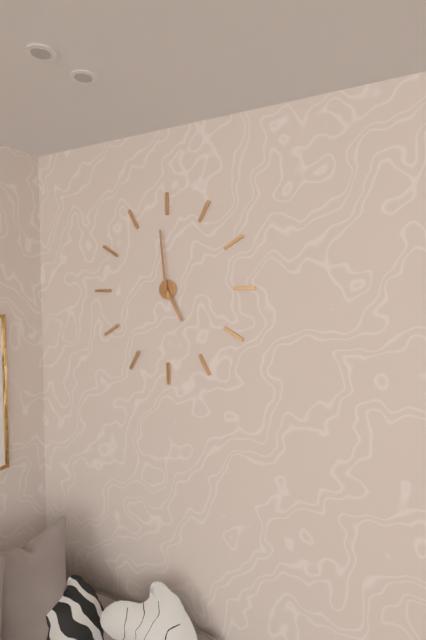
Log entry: {"hour": 4, "minute": 59}
